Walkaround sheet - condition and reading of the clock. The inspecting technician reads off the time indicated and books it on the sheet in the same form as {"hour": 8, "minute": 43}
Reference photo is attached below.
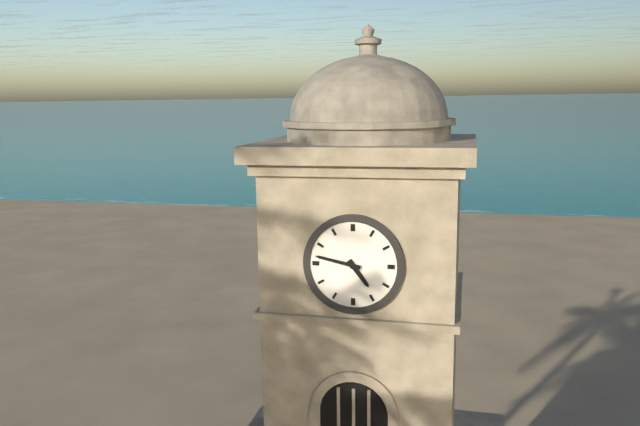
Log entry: {"hour": 4, "minute": 47}
